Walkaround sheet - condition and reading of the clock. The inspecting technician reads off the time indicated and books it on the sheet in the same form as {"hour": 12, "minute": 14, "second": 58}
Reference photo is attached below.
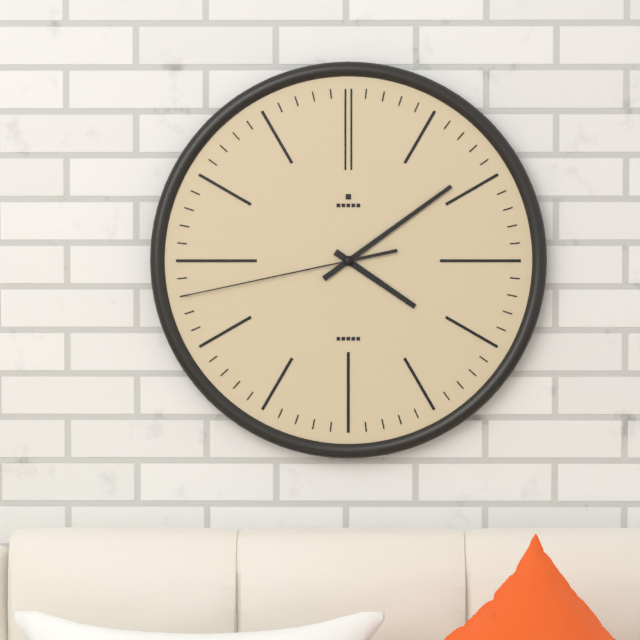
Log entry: {"hour": 4, "minute": 9, "second": 43}
